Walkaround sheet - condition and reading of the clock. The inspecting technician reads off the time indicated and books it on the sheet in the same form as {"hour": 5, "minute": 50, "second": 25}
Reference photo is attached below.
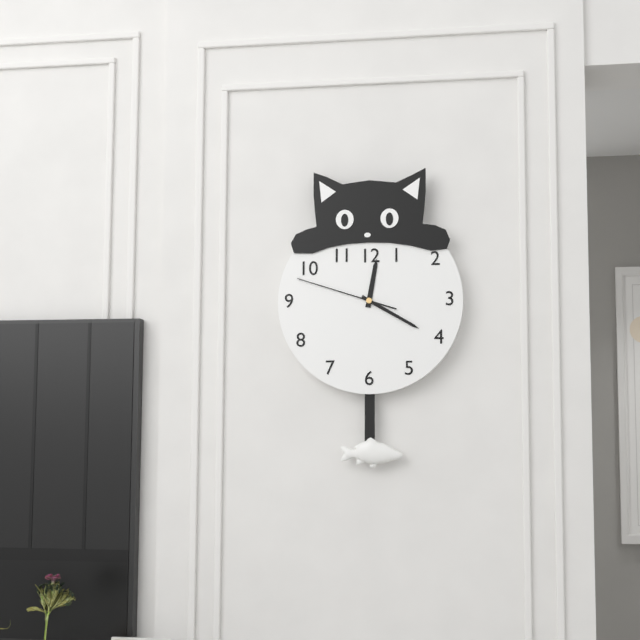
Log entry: {"hour": 12, "minute": 20, "second": 48}
